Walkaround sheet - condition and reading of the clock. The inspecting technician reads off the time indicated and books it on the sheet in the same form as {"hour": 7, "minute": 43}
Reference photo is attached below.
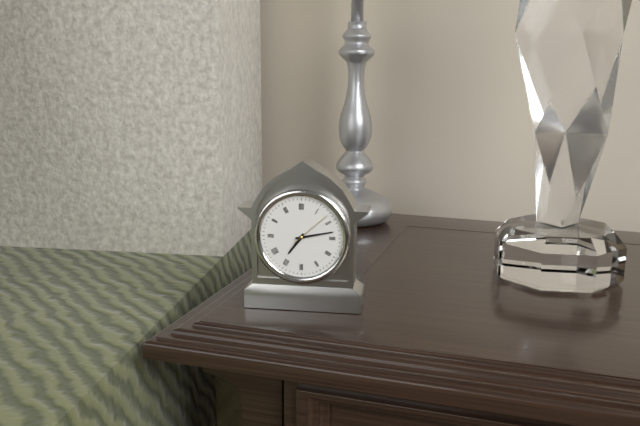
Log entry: {"hour": 7, "minute": 13}
